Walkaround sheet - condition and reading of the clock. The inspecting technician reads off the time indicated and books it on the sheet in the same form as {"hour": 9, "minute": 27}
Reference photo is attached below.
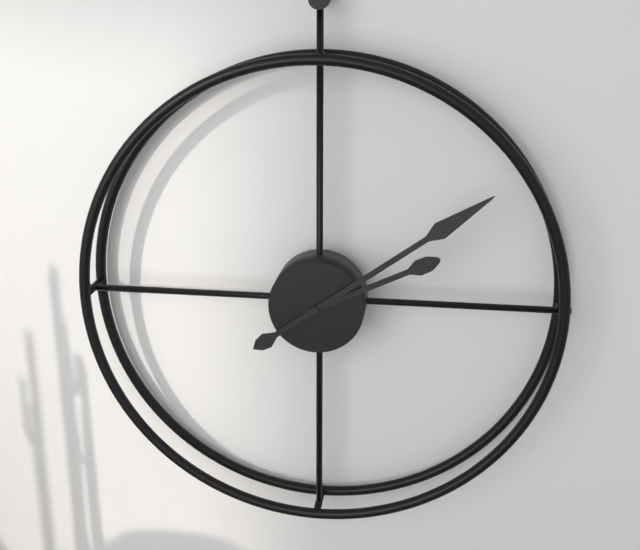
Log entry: {"hour": 2, "minute": 9}
